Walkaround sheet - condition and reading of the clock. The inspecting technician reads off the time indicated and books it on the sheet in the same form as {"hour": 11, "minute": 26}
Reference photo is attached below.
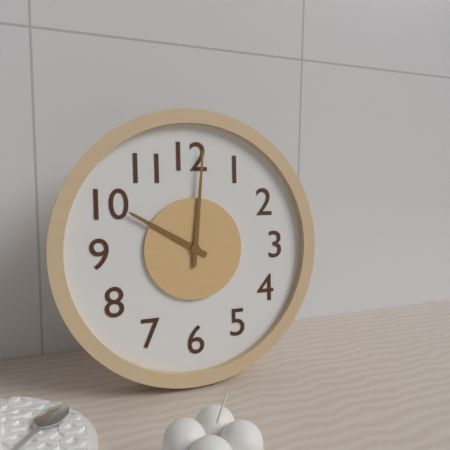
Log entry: {"hour": 10, "minute": 1}
